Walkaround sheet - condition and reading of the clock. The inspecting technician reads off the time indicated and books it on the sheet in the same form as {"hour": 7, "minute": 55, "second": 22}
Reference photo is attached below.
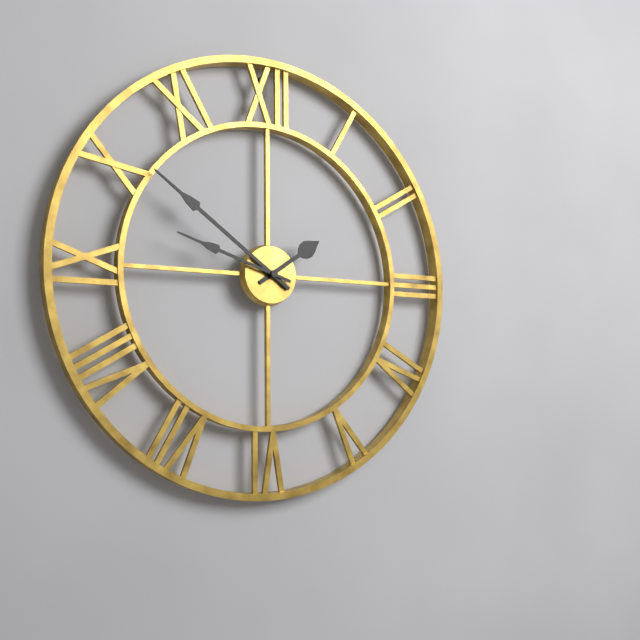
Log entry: {"hour": 1, "minute": 51, "second": 48}
